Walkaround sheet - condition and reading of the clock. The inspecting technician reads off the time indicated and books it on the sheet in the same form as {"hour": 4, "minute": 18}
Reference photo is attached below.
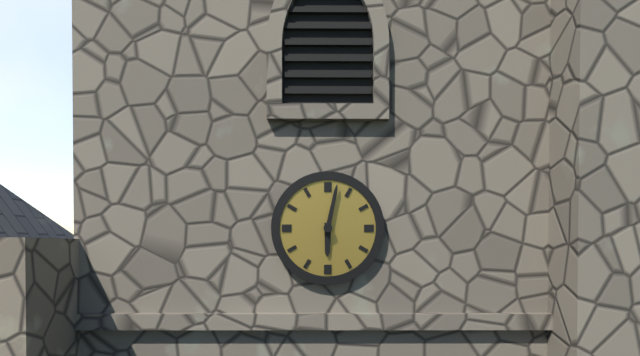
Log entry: {"hour": 6, "minute": 2}
